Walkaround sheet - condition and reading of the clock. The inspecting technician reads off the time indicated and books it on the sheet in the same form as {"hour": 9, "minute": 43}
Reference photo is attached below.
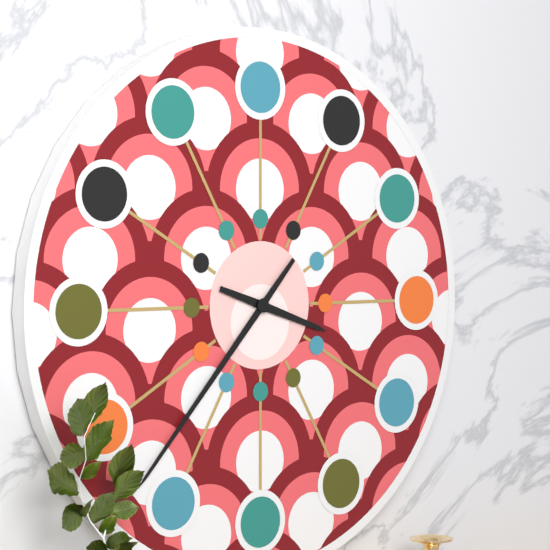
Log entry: {"hour": 3, "minute": 37}
